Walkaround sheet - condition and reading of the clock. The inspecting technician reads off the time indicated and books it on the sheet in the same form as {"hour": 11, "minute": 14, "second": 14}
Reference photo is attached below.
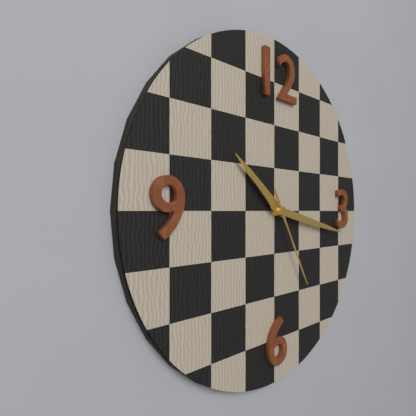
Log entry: {"hour": 10, "minute": 17, "second": 25}
